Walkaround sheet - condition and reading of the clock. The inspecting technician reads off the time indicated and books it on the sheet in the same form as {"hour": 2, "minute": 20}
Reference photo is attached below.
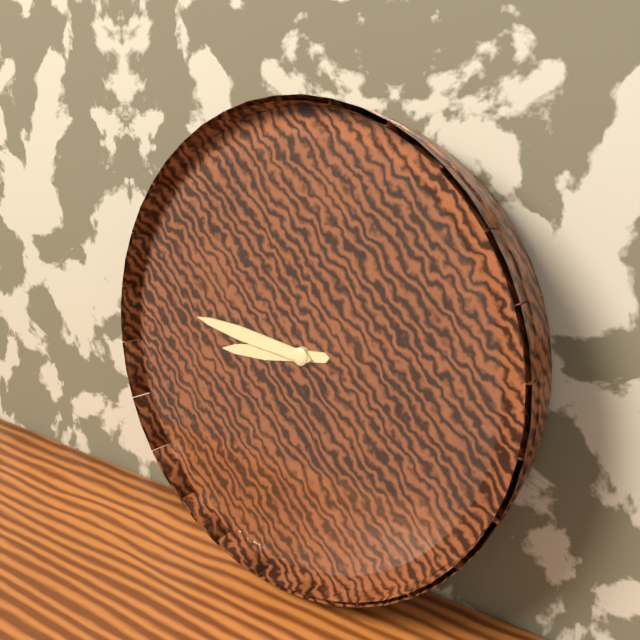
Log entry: {"hour": 8, "minute": 46}
